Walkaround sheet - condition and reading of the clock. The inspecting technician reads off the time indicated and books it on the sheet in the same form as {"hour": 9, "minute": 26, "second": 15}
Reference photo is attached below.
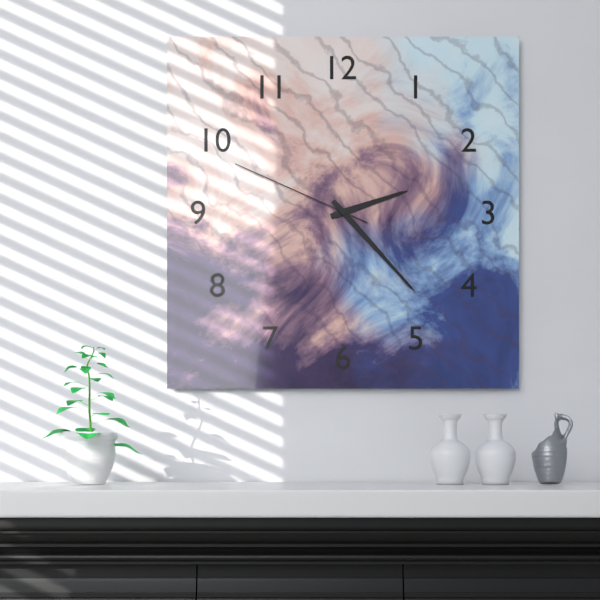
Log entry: {"hour": 2, "minute": 23, "second": 49}
